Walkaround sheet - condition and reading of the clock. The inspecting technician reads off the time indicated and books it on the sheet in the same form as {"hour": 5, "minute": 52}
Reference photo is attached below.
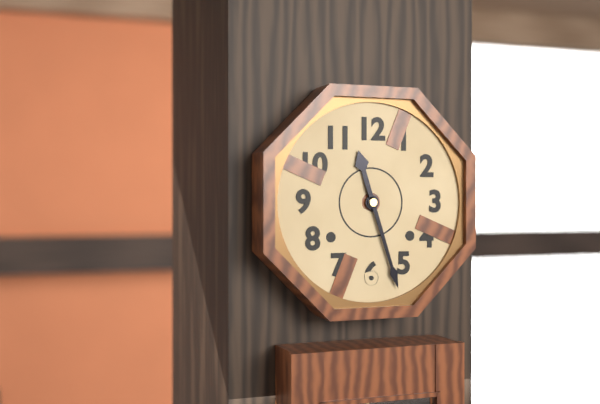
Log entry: {"hour": 11, "minute": 27}
